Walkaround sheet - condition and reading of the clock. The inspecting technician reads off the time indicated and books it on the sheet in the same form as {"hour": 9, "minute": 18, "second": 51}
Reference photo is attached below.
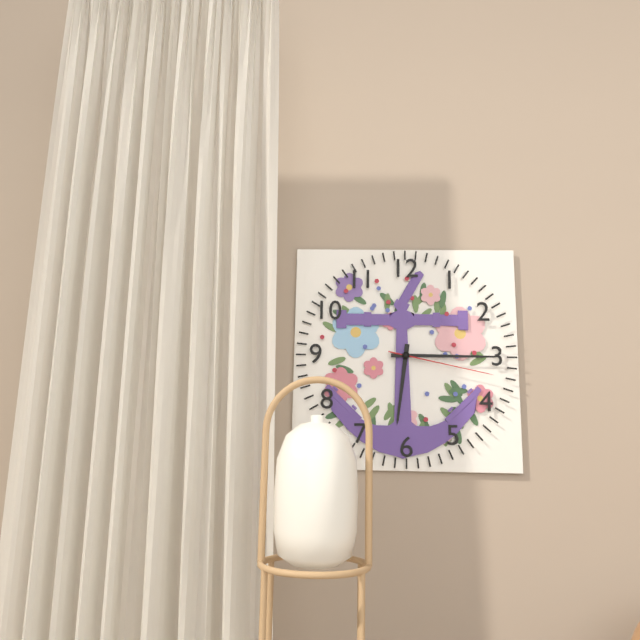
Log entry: {"hour": 6, "minute": 15, "second": 17}
